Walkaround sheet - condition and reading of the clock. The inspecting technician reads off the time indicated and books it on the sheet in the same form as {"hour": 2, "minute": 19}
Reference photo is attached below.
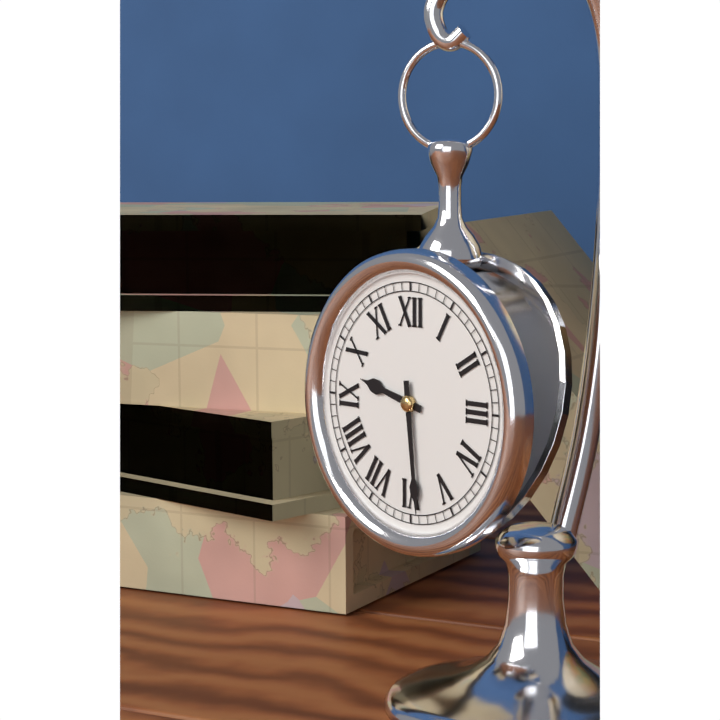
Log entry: {"hour": 9, "minute": 29}
